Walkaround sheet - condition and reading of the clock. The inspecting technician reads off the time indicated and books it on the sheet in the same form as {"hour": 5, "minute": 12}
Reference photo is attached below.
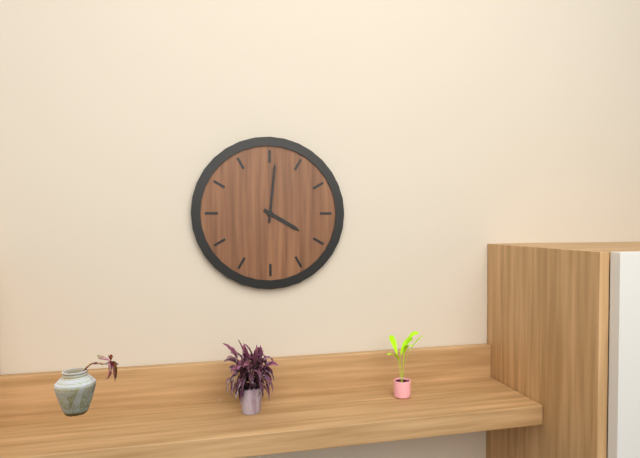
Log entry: {"hour": 4, "minute": 1}
